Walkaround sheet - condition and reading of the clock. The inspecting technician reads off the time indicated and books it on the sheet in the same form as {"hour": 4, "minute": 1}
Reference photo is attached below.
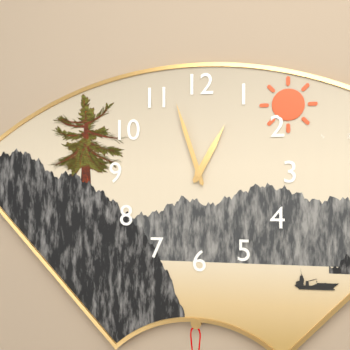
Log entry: {"hour": 12, "minute": 57}
